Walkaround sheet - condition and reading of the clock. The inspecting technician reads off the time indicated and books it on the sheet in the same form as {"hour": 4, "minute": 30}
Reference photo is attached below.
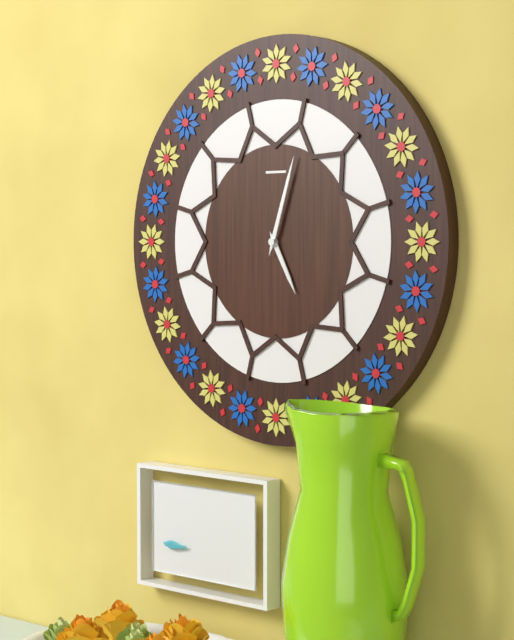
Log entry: {"hour": 5, "minute": 3}
